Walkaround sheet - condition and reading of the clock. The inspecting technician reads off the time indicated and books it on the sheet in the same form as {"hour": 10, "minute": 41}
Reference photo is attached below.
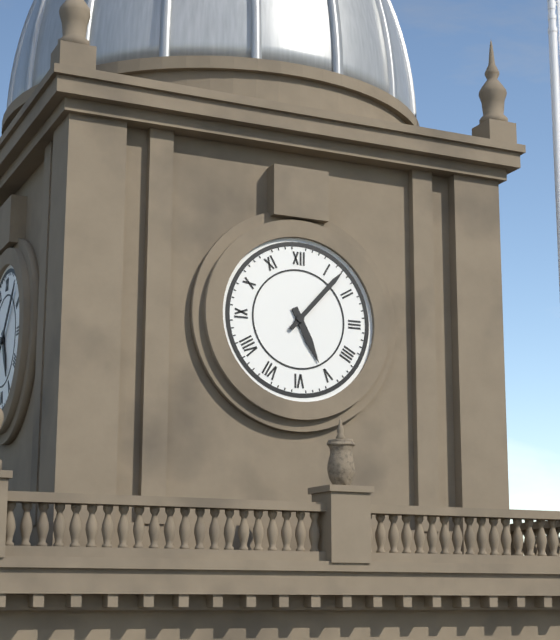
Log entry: {"hour": 5, "minute": 7}
